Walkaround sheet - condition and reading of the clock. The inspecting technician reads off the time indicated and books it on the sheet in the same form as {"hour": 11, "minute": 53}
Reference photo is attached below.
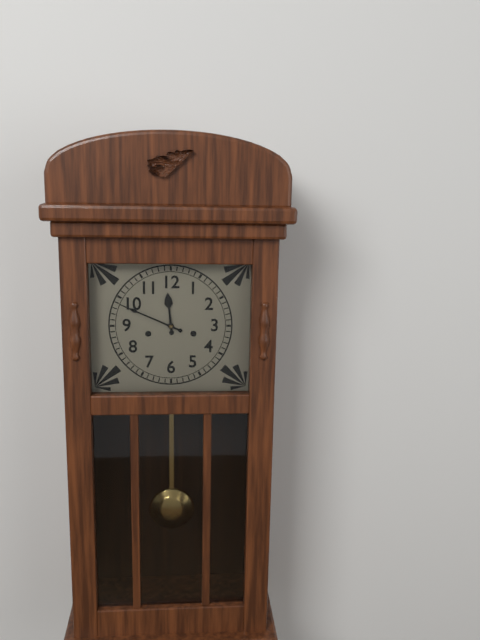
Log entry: {"hour": 11, "minute": 49}
